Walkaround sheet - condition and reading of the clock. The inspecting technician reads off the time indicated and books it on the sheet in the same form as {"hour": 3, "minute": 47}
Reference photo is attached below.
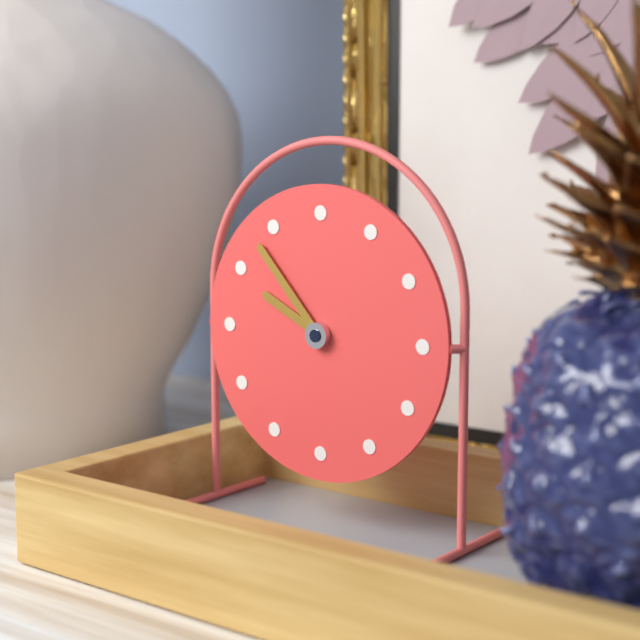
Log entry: {"hour": 9, "minute": 53}
